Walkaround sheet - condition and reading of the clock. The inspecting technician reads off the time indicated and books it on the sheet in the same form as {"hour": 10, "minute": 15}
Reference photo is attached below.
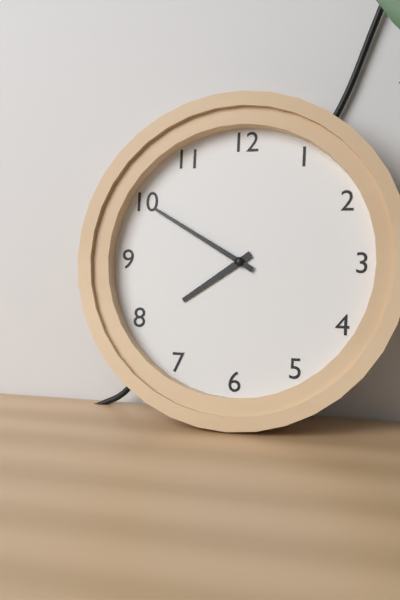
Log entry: {"hour": 7, "minute": 50}
